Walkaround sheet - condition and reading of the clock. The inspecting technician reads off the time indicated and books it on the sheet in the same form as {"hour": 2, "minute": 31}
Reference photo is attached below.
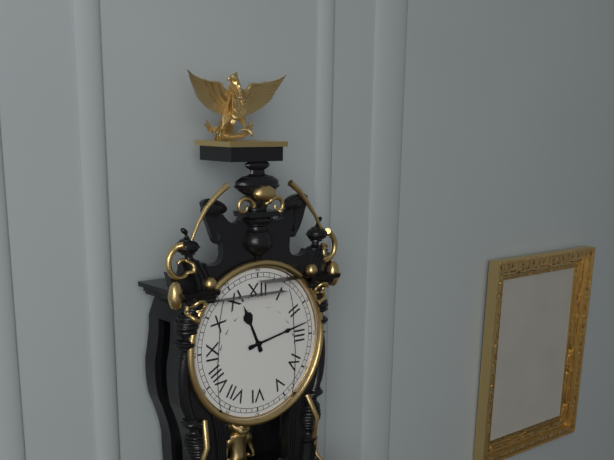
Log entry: {"hour": 11, "minute": 13}
